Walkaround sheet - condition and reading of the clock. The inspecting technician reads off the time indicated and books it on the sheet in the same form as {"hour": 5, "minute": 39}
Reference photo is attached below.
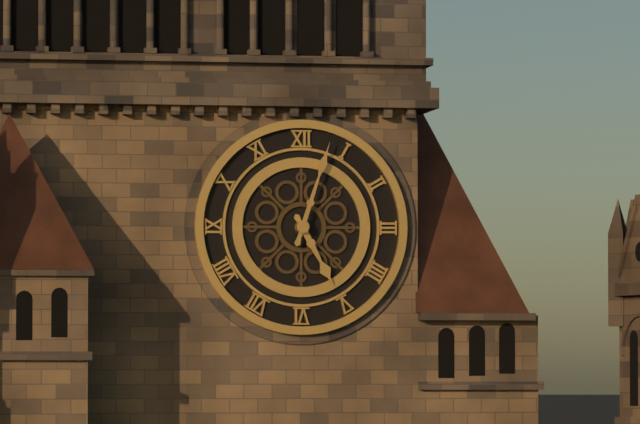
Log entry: {"hour": 5, "minute": 3}
